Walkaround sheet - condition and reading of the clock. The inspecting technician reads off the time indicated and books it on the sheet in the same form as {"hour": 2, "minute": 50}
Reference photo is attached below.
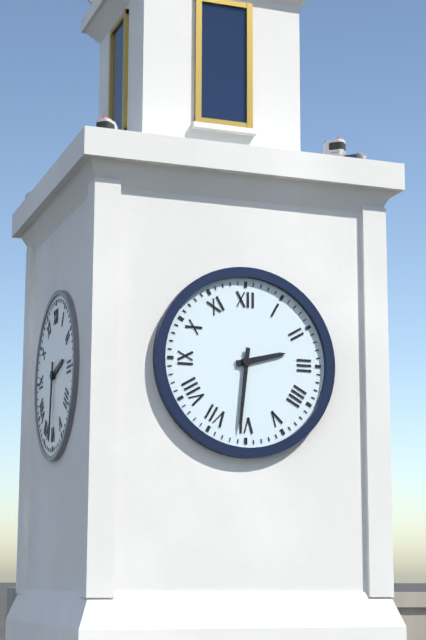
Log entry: {"hour": 2, "minute": 31}
